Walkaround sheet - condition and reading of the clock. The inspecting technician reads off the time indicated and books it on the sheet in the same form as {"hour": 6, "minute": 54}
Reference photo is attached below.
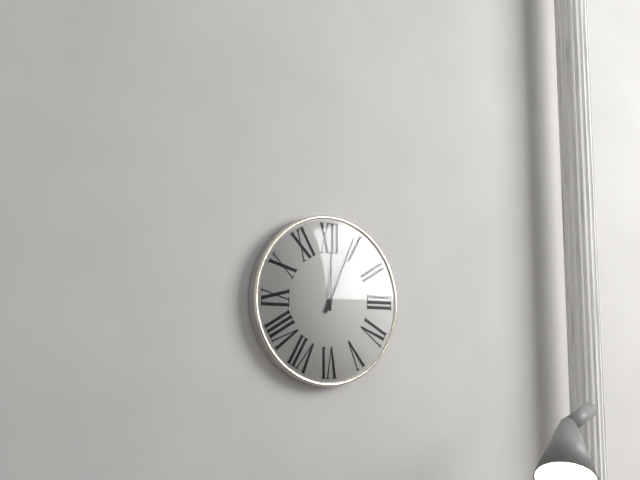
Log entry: {"hour": 12, "minute": 4}
